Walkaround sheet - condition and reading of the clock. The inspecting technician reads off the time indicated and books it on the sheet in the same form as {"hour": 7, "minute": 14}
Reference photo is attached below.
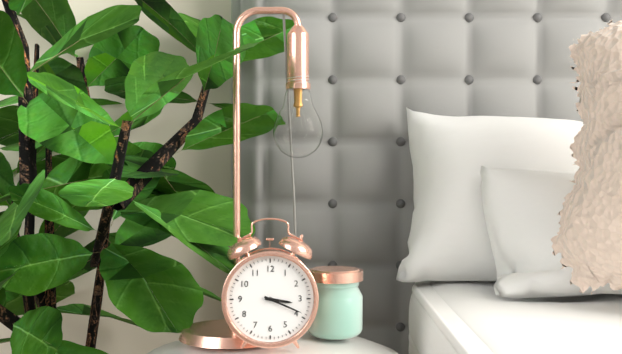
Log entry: {"hour": 3, "minute": 19}
